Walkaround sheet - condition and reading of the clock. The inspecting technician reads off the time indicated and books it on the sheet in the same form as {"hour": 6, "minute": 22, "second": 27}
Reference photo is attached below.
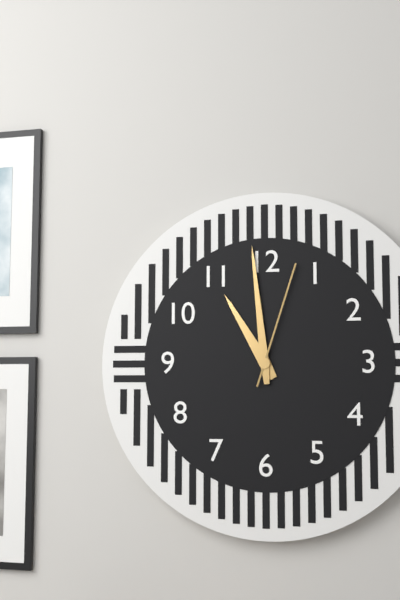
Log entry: {"hour": 10, "minute": 59, "second": 3}
